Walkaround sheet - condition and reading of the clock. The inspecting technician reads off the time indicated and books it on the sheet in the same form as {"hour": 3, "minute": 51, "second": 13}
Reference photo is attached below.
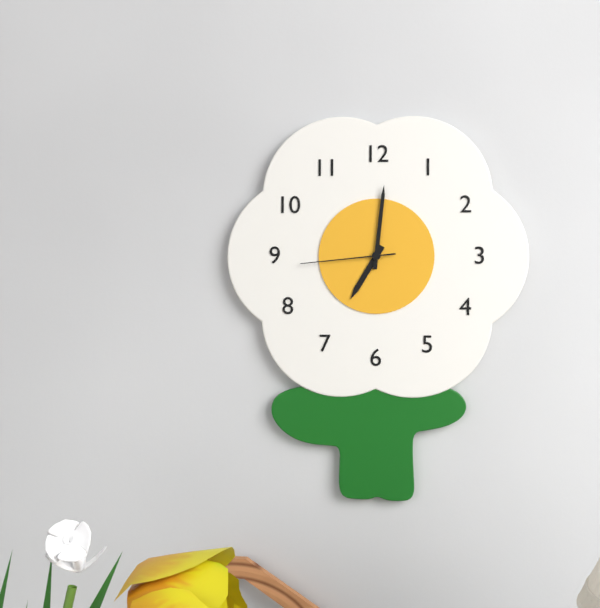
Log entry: {"hour": 7, "minute": 1, "second": 44}
